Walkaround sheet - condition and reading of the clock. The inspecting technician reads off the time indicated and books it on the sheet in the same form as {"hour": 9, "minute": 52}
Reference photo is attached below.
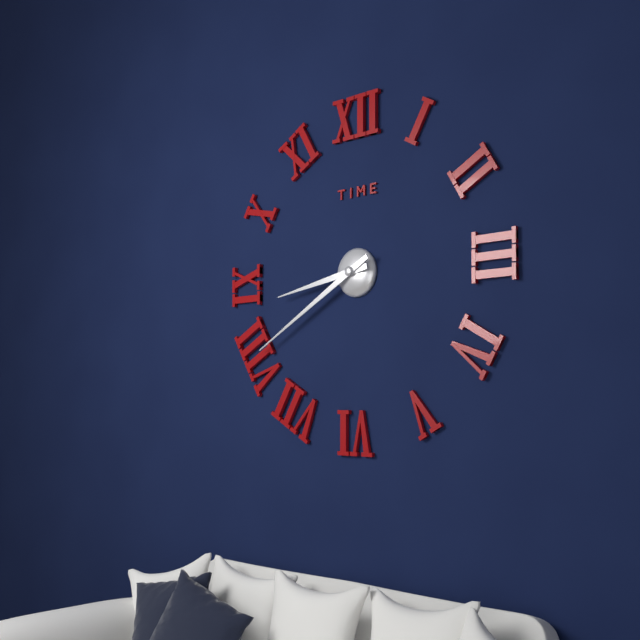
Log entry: {"hour": 8, "minute": 40}
